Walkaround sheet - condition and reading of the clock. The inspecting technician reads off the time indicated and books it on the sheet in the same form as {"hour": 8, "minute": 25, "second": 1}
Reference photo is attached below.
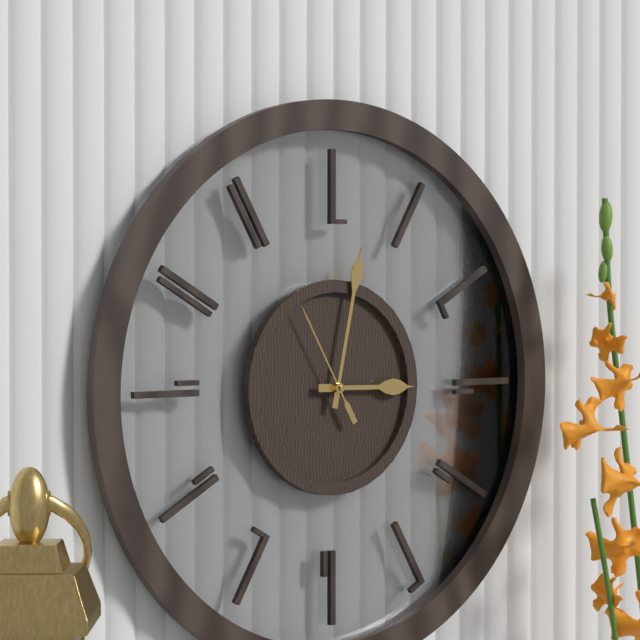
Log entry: {"hour": 3, "minute": 2, "second": 55}
